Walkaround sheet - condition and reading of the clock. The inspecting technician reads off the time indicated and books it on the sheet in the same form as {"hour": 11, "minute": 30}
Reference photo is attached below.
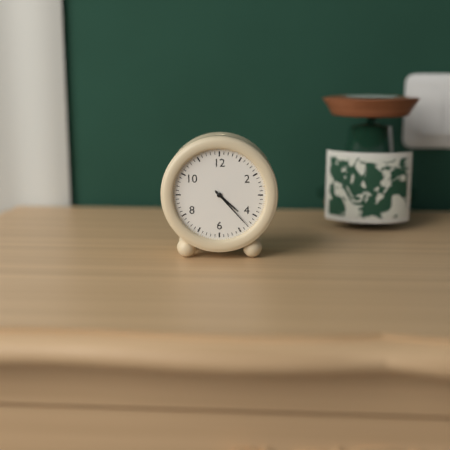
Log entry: {"hour": 4, "minute": 23}
